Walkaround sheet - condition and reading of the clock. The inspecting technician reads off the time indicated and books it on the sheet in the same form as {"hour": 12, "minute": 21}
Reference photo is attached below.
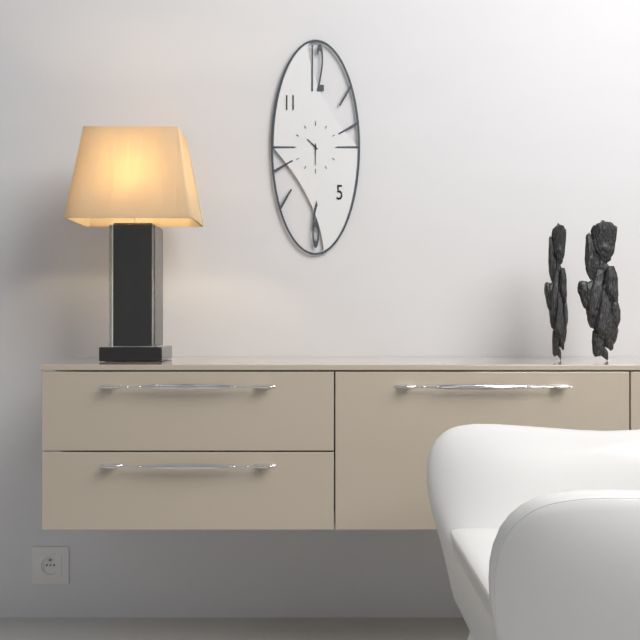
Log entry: {"hour": 10, "minute": 30}
